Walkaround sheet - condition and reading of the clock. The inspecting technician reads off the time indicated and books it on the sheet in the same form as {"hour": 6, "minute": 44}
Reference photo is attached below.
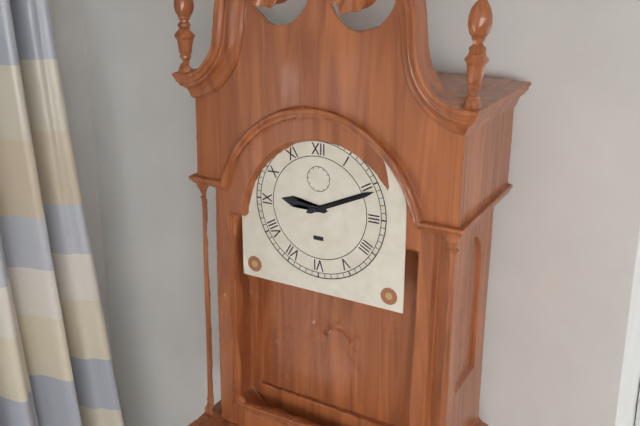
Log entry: {"hour": 9, "minute": 11}
